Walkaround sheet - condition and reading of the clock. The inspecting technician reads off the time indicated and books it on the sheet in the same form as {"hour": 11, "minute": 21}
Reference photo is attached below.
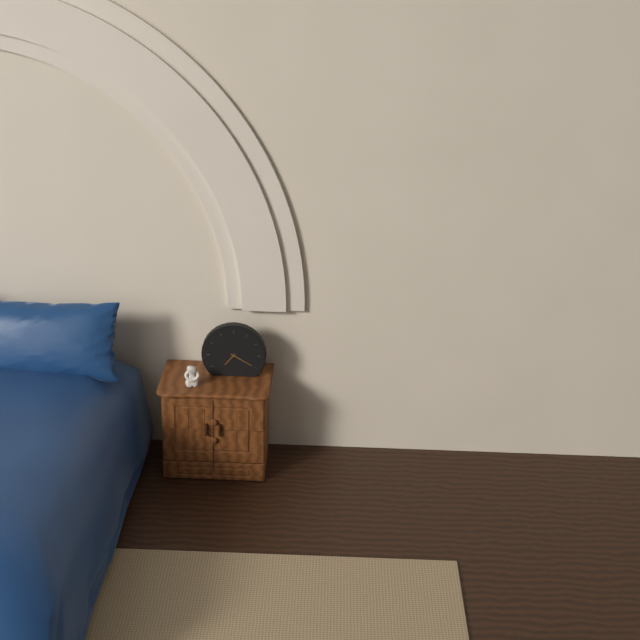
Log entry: {"hour": 7, "minute": 20}
